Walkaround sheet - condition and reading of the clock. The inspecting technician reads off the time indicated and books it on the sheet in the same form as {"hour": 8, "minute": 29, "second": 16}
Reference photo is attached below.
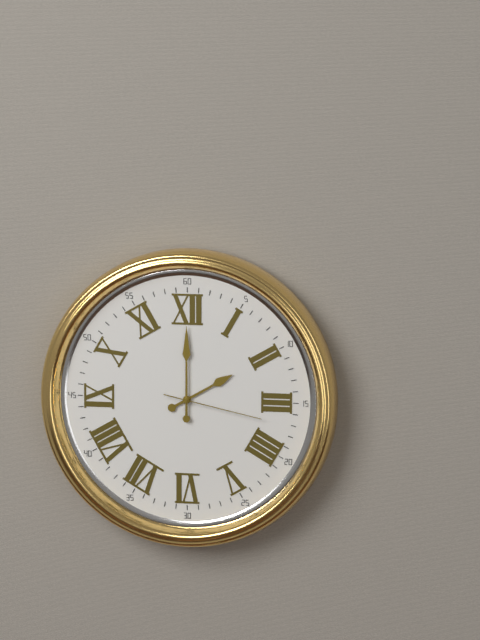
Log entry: {"hour": 2, "minute": 0, "second": 17}
